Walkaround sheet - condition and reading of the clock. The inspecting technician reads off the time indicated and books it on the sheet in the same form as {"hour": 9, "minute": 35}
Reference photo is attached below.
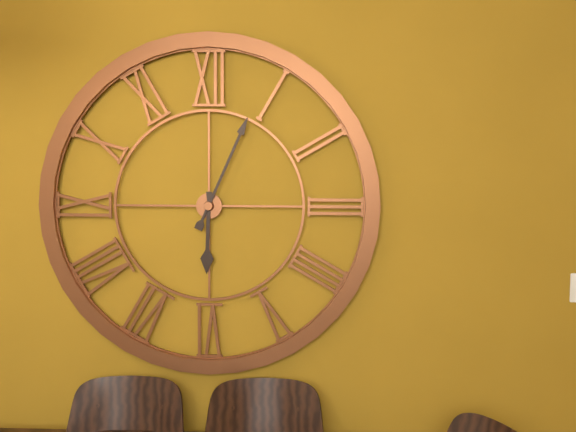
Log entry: {"hour": 6, "minute": 4}
